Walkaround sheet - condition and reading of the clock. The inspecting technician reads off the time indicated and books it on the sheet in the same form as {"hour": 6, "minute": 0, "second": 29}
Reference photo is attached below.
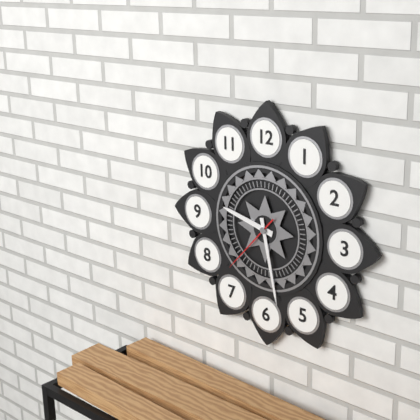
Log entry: {"hour": 9, "minute": 28, "second": 37}
